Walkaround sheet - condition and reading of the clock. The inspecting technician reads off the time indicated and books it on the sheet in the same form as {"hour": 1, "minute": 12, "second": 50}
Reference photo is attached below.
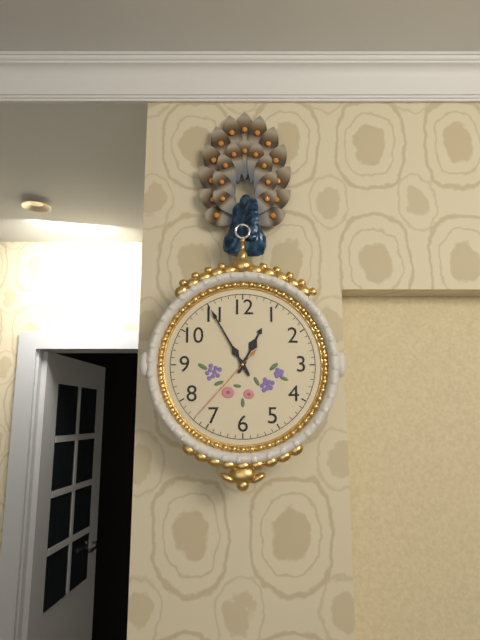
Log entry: {"hour": 12, "minute": 55, "second": 37}
